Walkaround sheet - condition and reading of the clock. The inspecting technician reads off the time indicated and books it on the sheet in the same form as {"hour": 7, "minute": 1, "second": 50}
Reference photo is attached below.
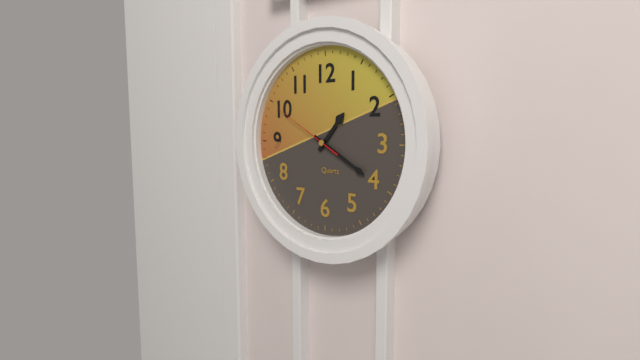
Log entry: {"hour": 1, "minute": 20, "second": 50}
